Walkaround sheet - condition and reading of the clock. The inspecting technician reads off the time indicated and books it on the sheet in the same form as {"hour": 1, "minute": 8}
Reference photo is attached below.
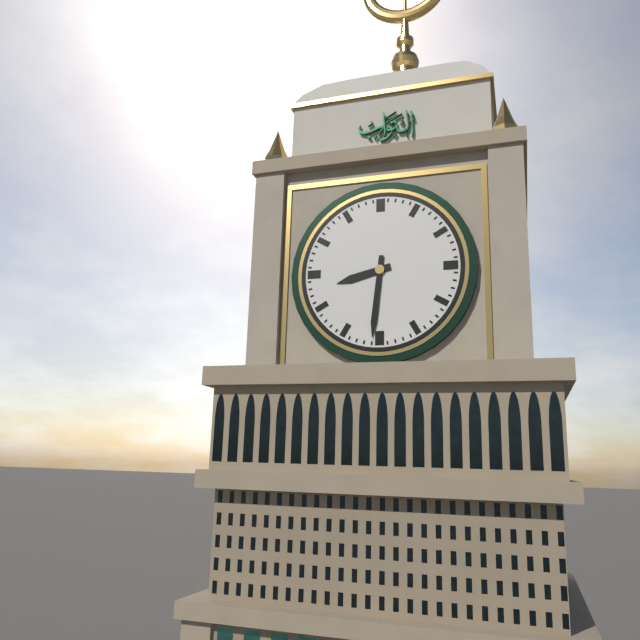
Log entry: {"hour": 8, "minute": 31}
